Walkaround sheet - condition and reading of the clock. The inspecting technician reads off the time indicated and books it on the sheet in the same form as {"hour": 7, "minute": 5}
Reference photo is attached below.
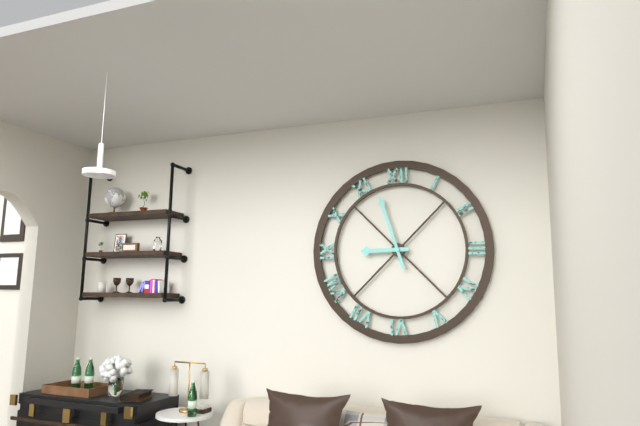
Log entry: {"hour": 8, "minute": 57}
